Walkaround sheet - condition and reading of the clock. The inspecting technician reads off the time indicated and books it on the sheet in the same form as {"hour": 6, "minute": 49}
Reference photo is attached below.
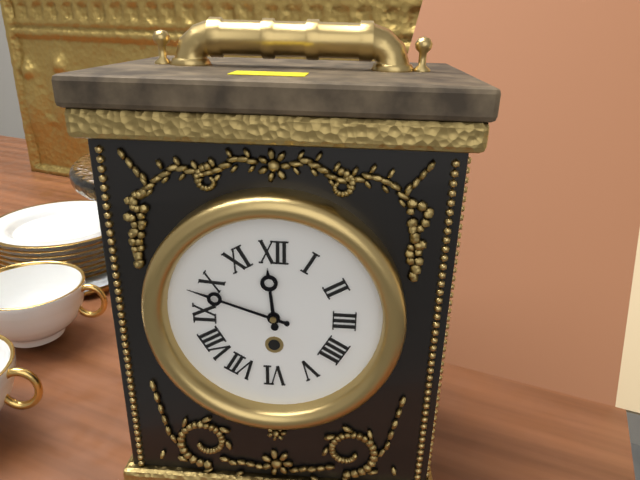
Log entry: {"hour": 11, "minute": 48}
